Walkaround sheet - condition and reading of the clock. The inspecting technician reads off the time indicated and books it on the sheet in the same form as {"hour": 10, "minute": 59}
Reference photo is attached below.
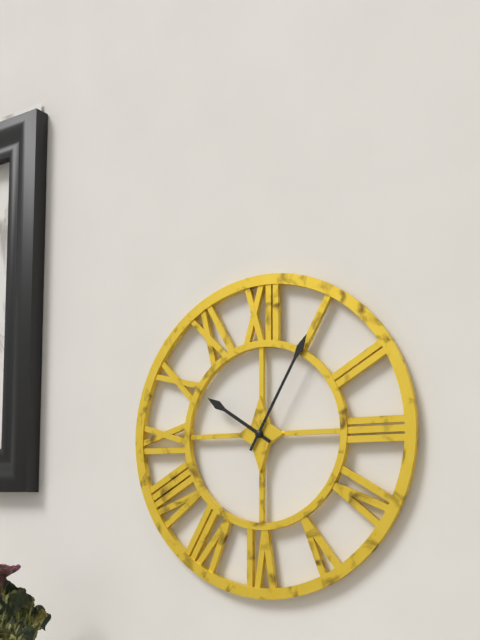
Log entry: {"hour": 10, "minute": 5}
